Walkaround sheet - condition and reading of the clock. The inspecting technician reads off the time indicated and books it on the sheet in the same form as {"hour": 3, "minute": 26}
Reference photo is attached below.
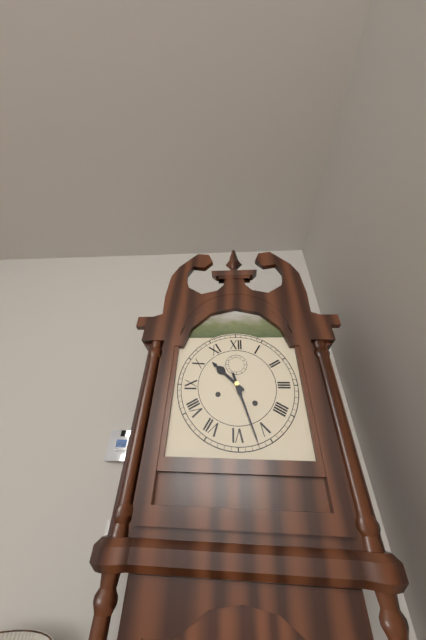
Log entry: {"hour": 10, "minute": 27}
